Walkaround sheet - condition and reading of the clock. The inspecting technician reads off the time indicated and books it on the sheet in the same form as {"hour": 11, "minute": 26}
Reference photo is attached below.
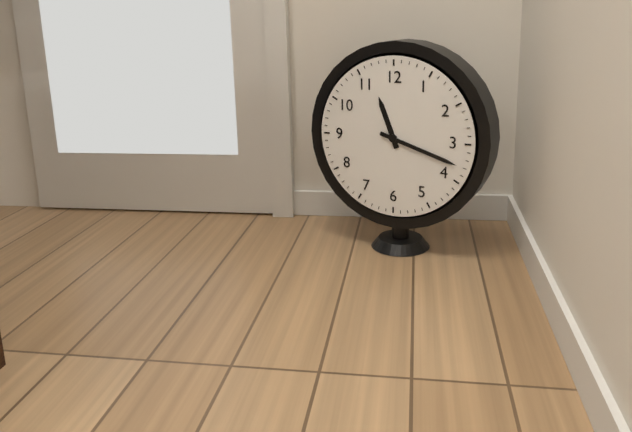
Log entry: {"hour": 11, "minute": 18}
